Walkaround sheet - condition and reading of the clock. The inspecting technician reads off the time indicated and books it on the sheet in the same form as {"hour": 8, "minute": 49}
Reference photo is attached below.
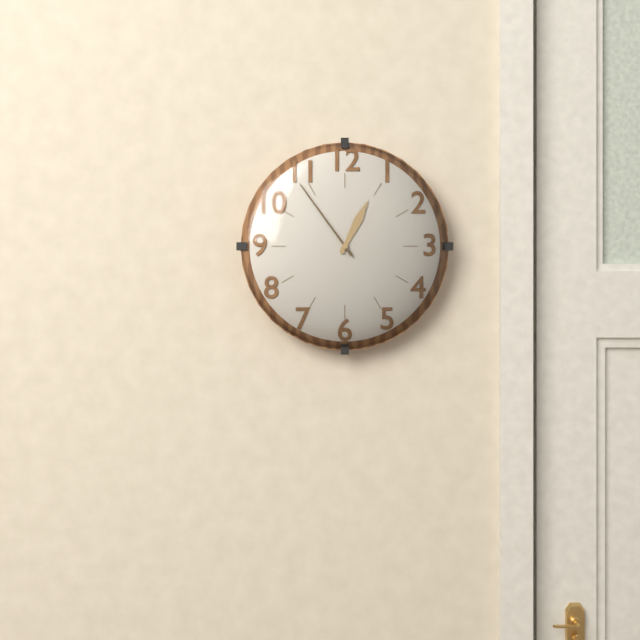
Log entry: {"hour": 12, "minute": 54}
